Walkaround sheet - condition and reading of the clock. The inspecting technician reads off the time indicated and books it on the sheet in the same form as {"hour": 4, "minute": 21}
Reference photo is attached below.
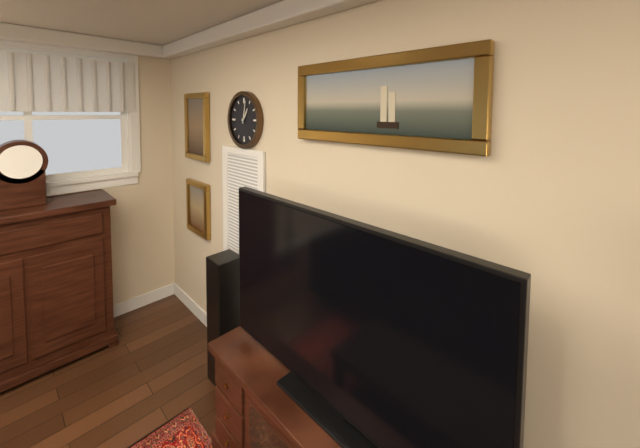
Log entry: {"hour": 1, "minute": 2}
